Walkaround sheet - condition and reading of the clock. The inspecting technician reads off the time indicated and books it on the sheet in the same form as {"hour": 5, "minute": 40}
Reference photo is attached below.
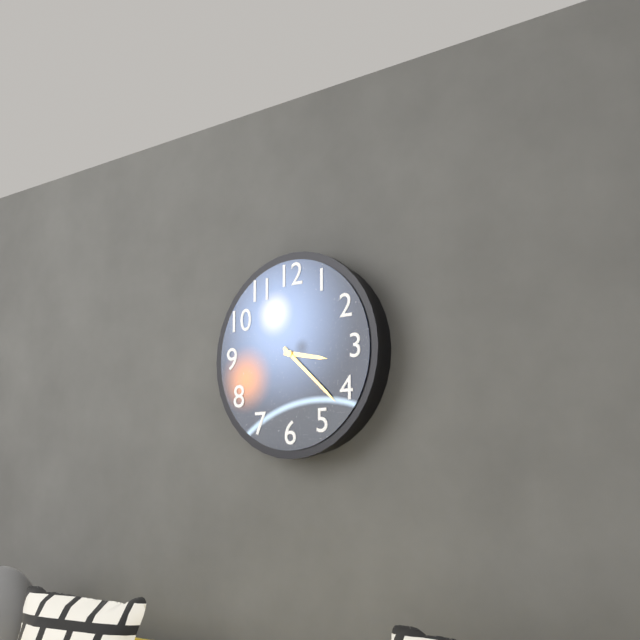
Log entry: {"hour": 3, "minute": 22}
